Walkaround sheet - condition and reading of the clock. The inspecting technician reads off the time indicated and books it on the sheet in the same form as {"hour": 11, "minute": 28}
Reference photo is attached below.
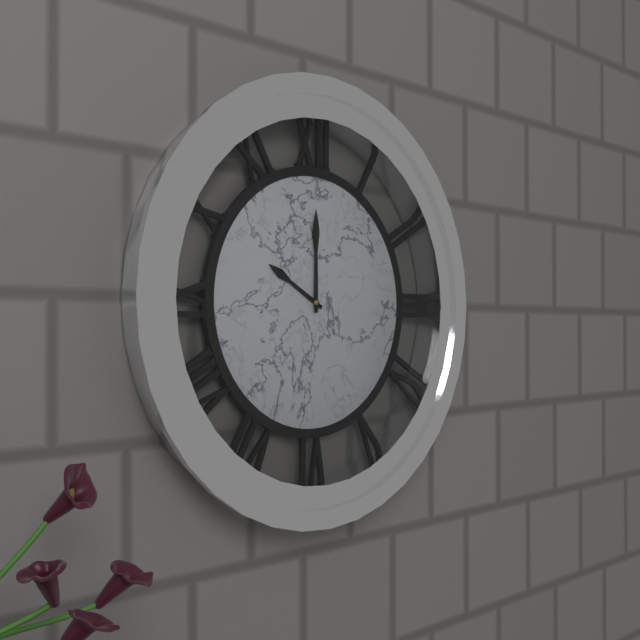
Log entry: {"hour": 10, "minute": 0}
